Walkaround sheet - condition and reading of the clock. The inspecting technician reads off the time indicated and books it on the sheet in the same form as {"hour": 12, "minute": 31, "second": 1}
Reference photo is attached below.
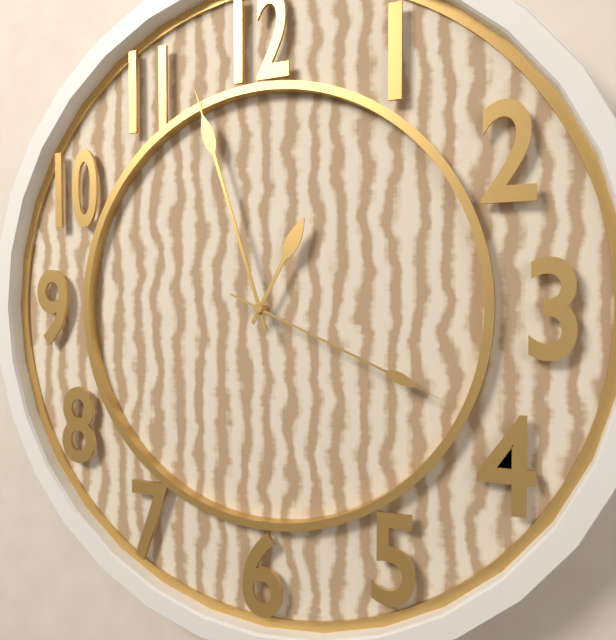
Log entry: {"hour": 12, "minute": 57, "second": 19}
